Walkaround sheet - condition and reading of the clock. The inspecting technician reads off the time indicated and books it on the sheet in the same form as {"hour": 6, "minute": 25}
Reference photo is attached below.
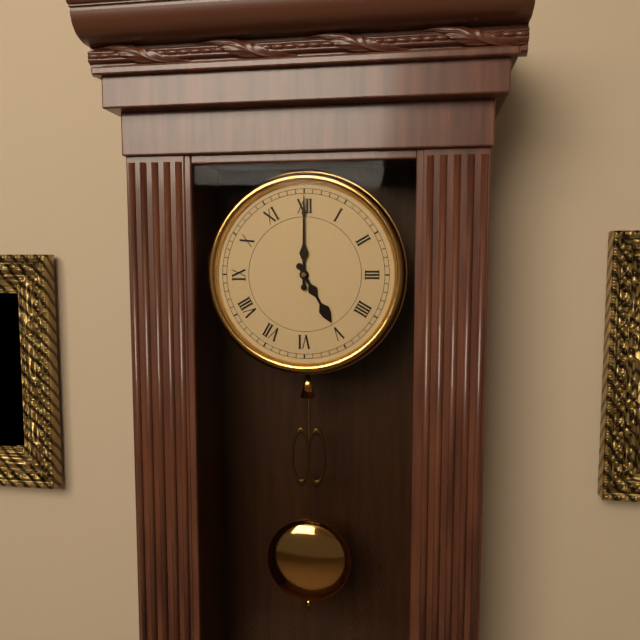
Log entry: {"hour": 5, "minute": 0}
